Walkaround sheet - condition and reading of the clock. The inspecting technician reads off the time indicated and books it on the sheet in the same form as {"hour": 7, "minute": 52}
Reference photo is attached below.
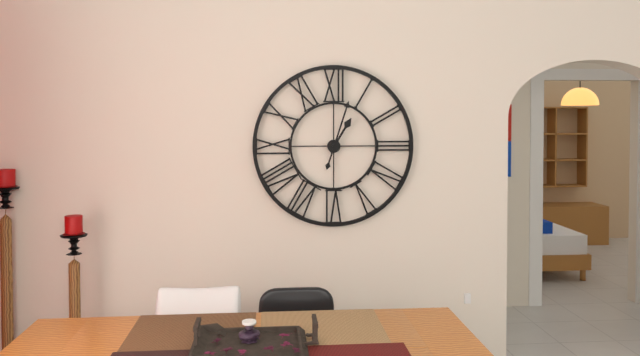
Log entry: {"hour": 1, "minute": 3}
